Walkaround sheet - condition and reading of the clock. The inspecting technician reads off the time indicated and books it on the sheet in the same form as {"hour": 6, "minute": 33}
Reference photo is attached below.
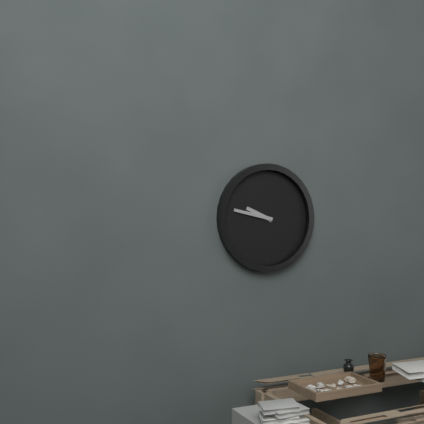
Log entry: {"hour": 9, "minute": 47}
